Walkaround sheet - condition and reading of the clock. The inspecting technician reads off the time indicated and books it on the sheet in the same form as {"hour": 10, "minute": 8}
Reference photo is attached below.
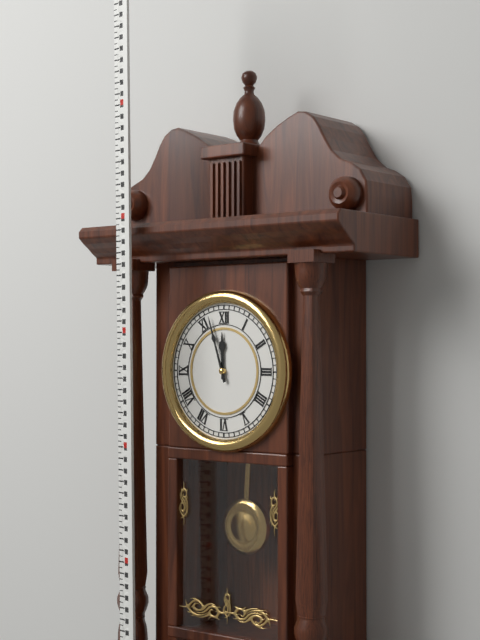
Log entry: {"hour": 11, "minute": 57}
